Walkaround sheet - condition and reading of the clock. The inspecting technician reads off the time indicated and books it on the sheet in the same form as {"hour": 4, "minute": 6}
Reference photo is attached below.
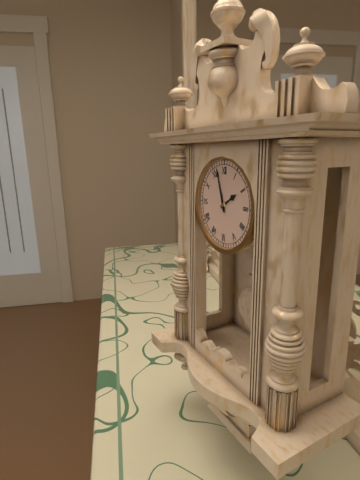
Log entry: {"hour": 1, "minute": 57}
